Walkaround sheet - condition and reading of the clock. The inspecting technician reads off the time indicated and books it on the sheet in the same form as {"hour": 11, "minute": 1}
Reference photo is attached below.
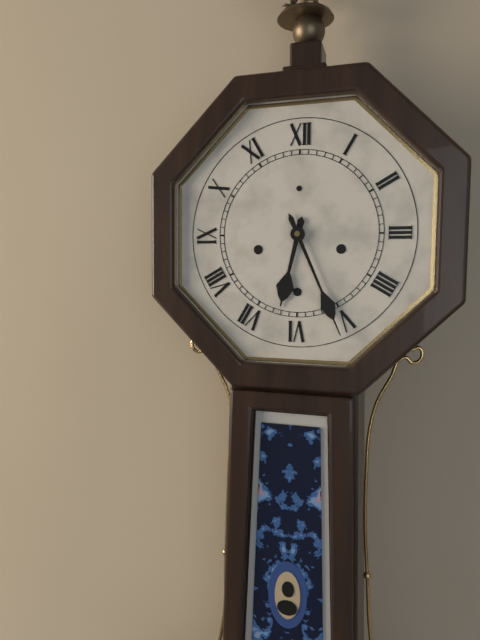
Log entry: {"hour": 6, "minute": 26}
